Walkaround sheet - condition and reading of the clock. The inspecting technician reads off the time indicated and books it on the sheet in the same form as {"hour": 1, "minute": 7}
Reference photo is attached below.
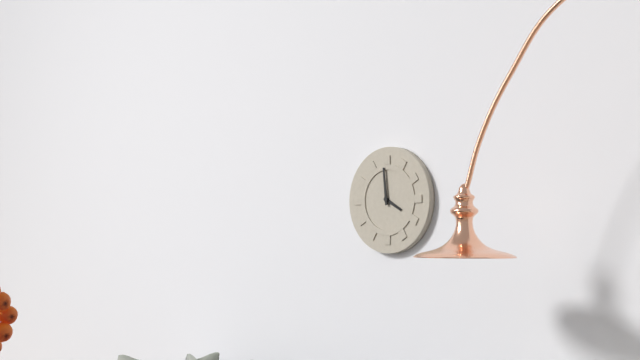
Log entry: {"hour": 3, "minute": 59}
